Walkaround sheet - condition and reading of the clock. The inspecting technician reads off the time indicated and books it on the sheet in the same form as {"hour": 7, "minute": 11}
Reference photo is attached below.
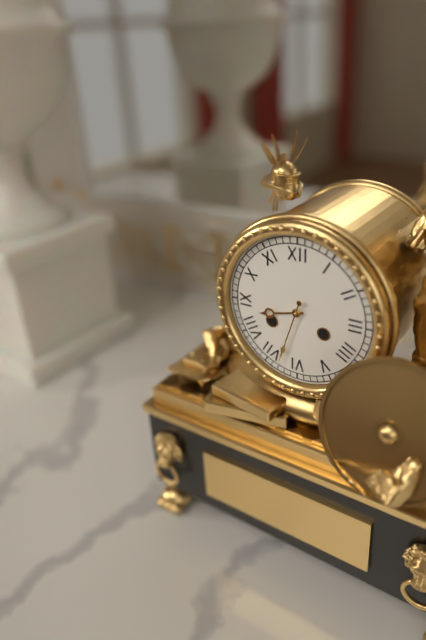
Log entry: {"hour": 8, "minute": 33}
